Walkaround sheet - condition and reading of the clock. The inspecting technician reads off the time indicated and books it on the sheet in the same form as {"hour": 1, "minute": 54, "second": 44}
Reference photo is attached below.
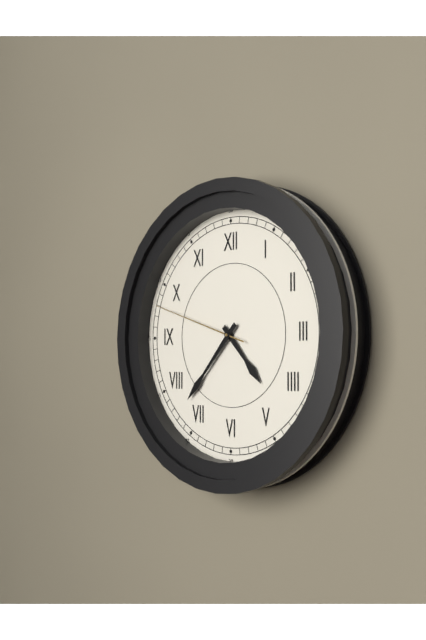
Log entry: {"hour": 4, "minute": 37, "second": 48}
